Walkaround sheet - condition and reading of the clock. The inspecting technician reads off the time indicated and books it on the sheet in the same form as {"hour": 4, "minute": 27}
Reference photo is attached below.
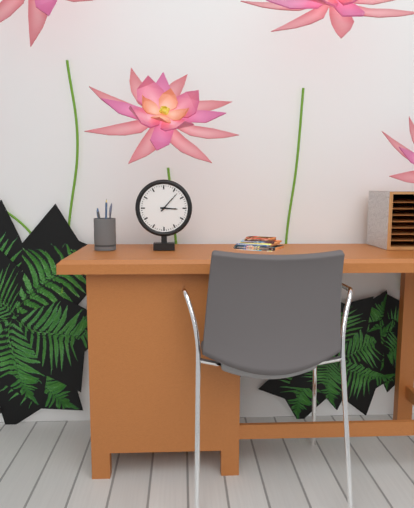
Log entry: {"hour": 3, "minute": 7}
